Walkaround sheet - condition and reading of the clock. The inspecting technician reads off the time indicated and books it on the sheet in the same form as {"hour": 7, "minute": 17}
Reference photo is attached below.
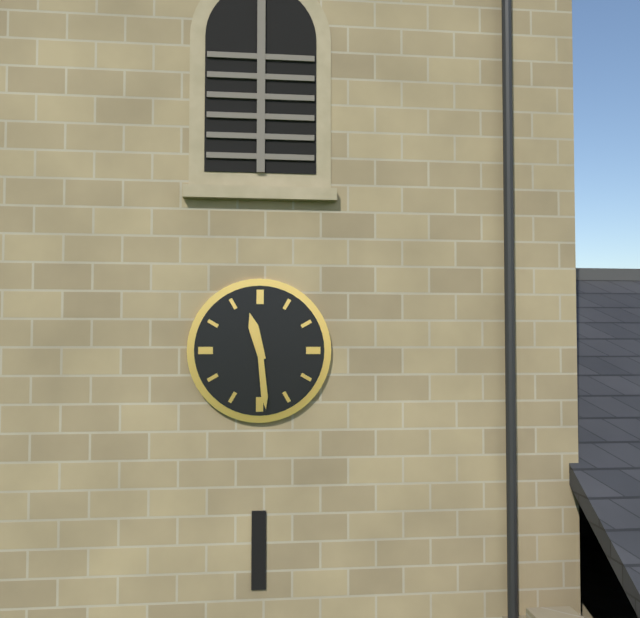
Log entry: {"hour": 11, "minute": 29}
